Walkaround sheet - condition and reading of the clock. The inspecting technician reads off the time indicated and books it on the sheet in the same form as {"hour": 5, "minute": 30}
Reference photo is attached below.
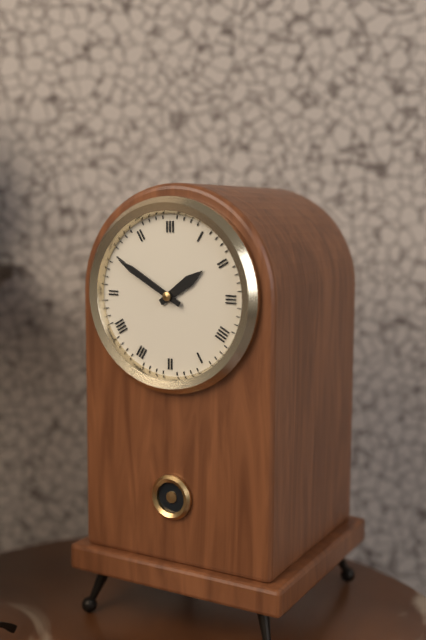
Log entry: {"hour": 1, "minute": 50}
